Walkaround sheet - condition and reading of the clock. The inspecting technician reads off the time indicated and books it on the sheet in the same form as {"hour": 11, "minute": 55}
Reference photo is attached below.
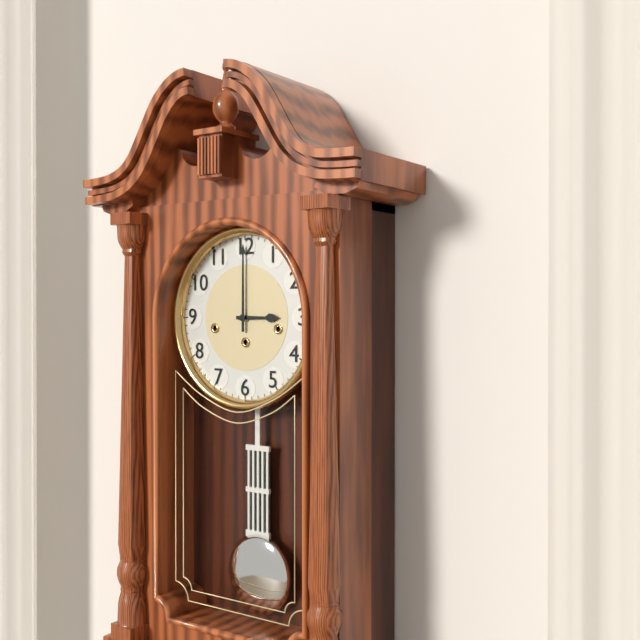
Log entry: {"hour": 3, "minute": 0}
